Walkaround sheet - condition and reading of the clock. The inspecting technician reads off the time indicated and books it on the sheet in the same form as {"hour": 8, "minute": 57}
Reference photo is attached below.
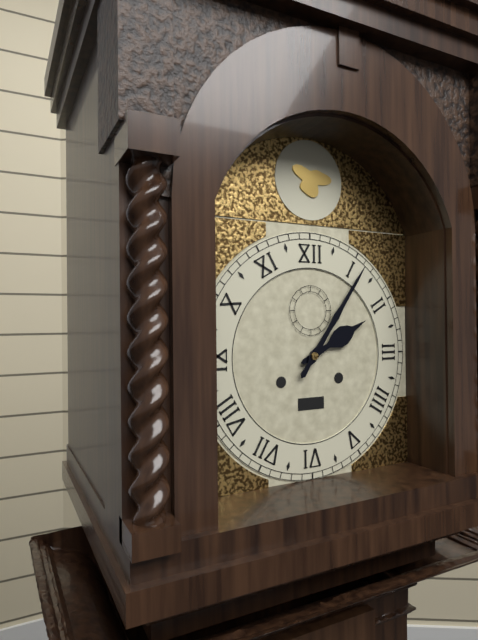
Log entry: {"hour": 2, "minute": 6}
